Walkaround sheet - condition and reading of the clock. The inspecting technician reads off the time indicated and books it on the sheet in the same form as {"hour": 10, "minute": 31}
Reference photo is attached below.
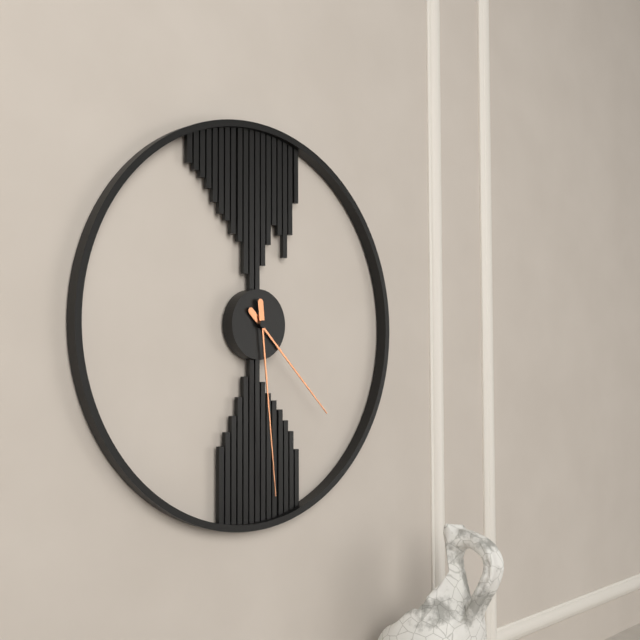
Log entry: {"hour": 4, "minute": 29}
